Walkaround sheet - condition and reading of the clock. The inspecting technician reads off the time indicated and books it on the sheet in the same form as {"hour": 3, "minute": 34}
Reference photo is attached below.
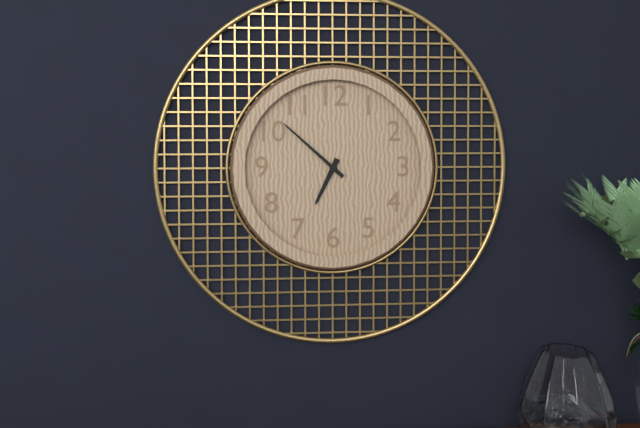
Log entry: {"hour": 6, "minute": 52}
